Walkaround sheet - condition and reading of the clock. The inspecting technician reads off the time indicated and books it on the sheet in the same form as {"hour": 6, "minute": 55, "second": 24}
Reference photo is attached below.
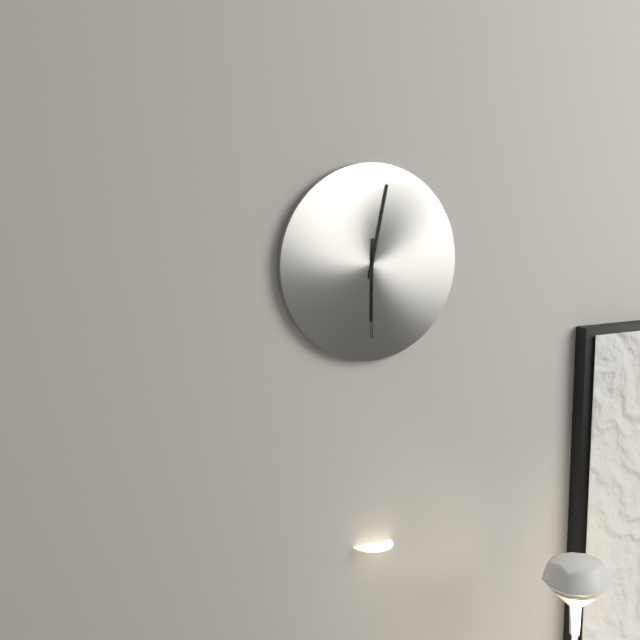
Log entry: {"hour": 6, "minute": 2, "second": 30}
